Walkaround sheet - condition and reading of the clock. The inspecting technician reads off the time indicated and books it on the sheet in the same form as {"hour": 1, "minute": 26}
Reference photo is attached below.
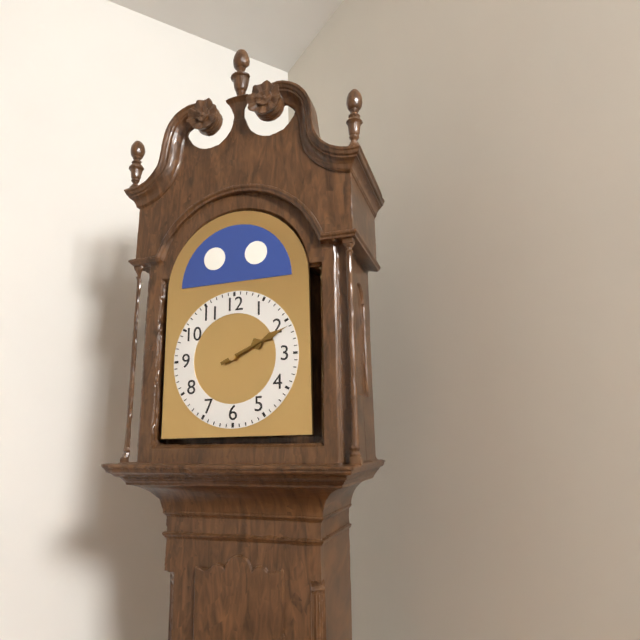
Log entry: {"hour": 2, "minute": 11}
